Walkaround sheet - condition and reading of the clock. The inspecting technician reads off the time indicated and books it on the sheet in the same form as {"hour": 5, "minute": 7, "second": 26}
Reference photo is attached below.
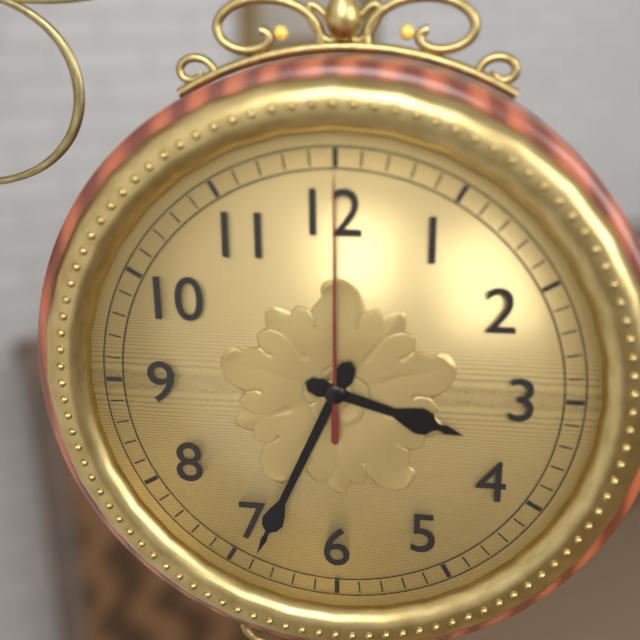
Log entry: {"hour": 3, "minute": 34, "second": 0}
